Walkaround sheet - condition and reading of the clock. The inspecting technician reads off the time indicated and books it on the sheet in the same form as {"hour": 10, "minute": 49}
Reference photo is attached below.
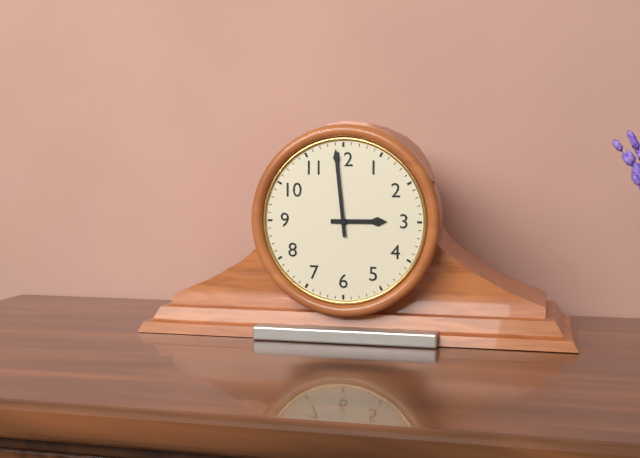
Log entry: {"hour": 2, "minute": 59}
